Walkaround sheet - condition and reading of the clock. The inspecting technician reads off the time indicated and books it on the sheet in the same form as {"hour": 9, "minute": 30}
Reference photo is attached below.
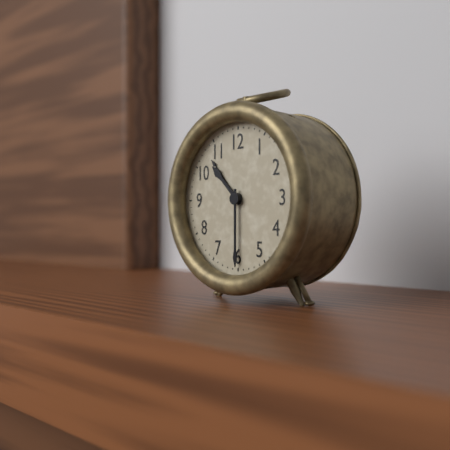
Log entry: {"hour": 10, "minute": 30}
